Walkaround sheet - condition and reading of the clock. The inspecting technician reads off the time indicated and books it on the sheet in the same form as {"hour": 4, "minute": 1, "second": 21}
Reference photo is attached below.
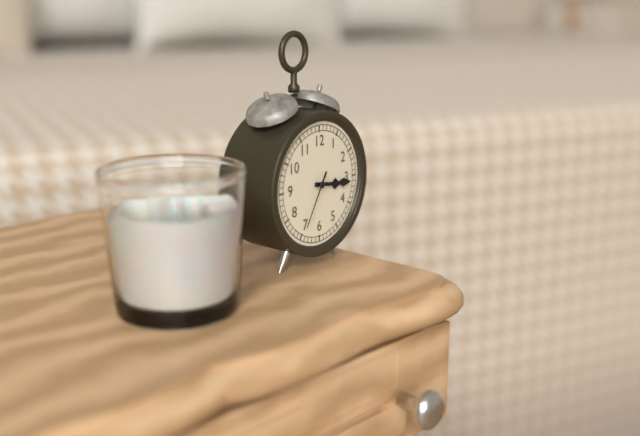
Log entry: {"hour": 3, "minute": 16, "second": 35}
